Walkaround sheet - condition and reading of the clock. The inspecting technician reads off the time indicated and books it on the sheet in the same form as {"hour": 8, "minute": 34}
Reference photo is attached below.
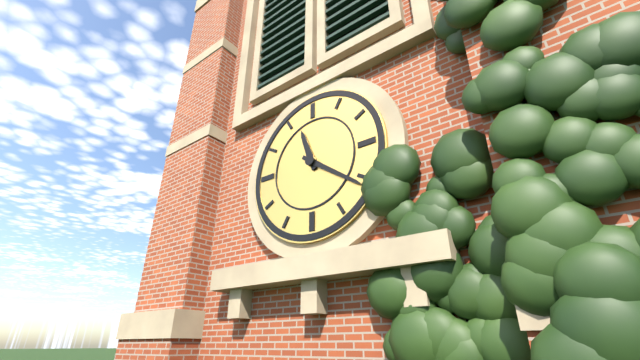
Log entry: {"hour": 11, "minute": 21}
